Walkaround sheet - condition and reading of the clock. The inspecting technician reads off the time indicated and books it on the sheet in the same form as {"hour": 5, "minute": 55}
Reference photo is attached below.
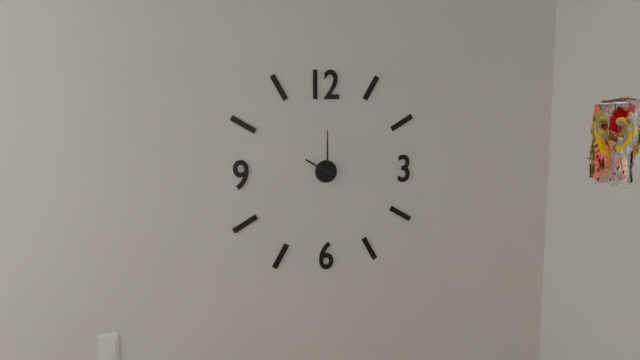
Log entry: {"hour": 10, "minute": 0}
